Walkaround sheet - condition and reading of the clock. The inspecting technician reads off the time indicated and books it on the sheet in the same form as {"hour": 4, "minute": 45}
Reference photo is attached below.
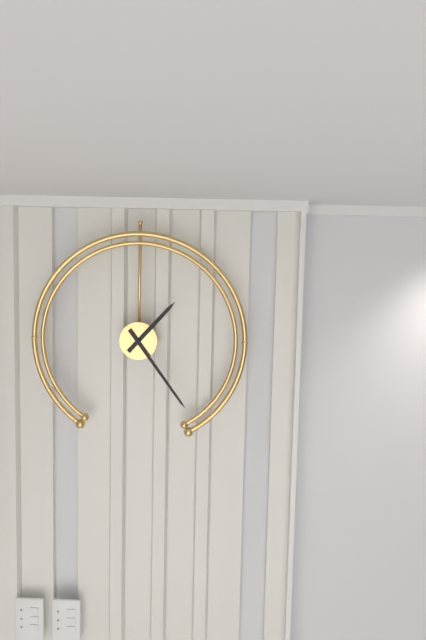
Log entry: {"hour": 1, "minute": 24}
